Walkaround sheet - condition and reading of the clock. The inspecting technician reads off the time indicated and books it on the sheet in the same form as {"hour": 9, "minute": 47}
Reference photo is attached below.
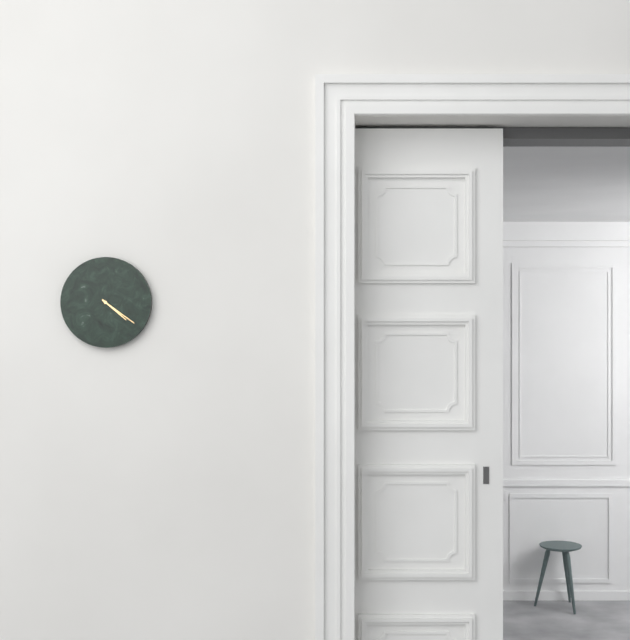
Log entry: {"hour": 4, "minute": 21}
